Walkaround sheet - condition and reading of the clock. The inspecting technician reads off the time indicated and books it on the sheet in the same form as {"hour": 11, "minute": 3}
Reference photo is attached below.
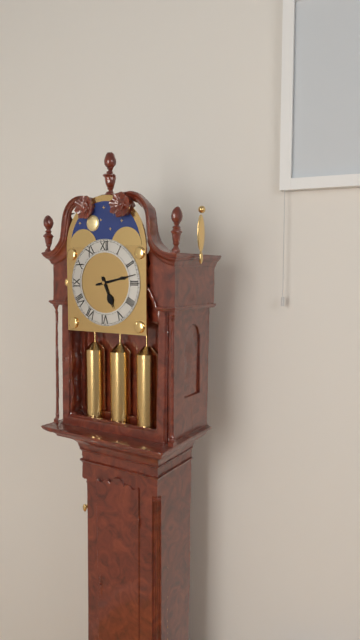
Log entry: {"hour": 5, "minute": 13}
